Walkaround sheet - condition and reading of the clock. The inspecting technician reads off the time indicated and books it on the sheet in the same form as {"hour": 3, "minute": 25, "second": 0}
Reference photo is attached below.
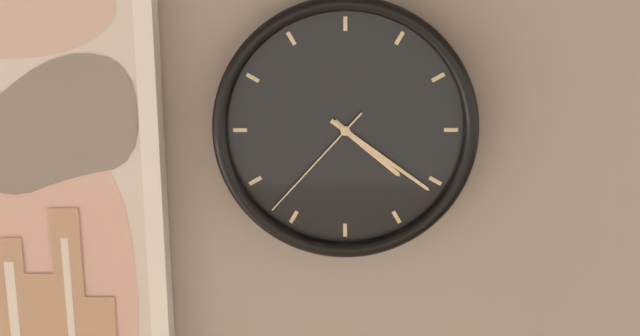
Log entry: {"hour": 4, "minute": 21, "second": 37}
